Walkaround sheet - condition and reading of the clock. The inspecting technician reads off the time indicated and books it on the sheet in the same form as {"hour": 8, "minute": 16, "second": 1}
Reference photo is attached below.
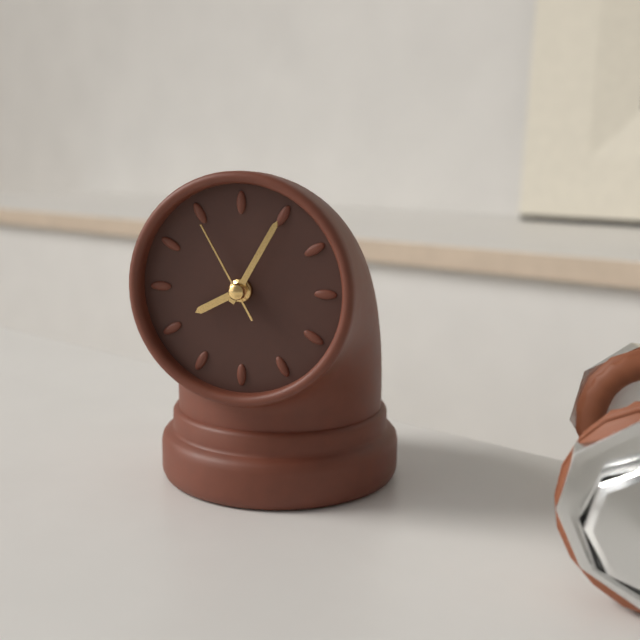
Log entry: {"hour": 8, "minute": 5, "second": 55}
